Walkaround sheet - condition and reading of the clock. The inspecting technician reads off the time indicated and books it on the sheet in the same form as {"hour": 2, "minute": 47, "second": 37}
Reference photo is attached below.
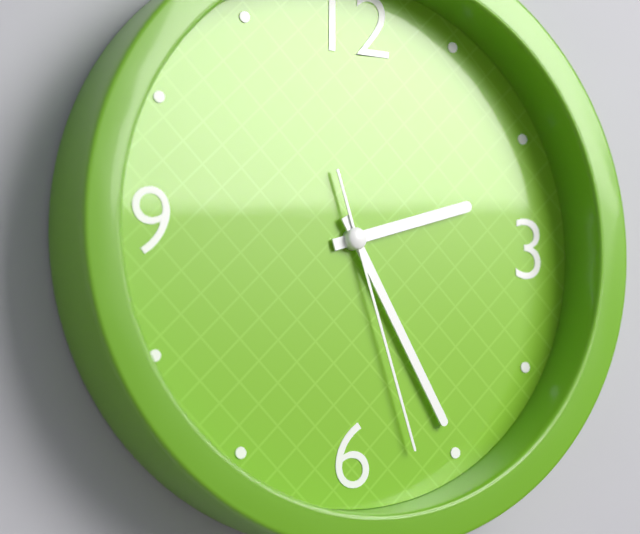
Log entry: {"hour": 2, "minute": 25, "second": 27}
